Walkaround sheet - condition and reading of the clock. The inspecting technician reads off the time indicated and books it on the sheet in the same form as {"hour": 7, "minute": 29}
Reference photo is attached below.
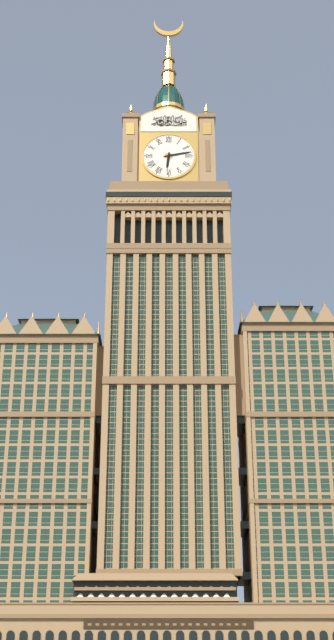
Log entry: {"hour": 6, "minute": 13}
